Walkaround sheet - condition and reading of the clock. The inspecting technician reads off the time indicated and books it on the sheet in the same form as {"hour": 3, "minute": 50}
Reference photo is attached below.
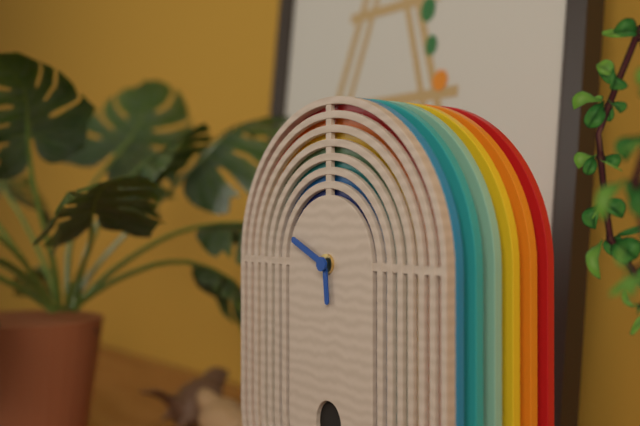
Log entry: {"hour": 5, "minute": 49}
